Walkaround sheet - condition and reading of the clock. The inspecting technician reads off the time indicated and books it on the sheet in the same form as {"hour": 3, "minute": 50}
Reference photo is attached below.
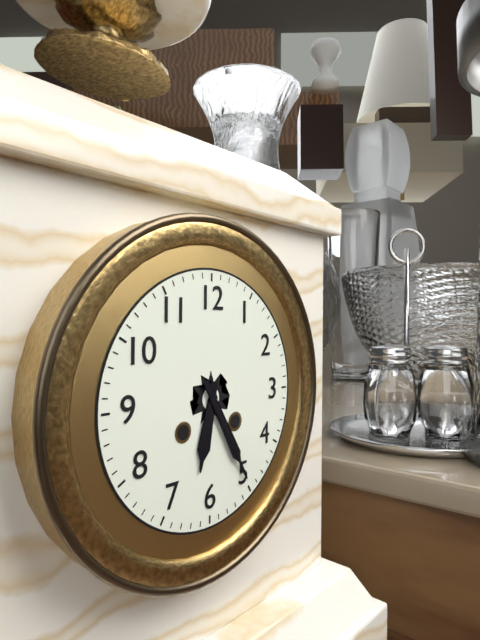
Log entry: {"hour": 6, "minute": 25}
